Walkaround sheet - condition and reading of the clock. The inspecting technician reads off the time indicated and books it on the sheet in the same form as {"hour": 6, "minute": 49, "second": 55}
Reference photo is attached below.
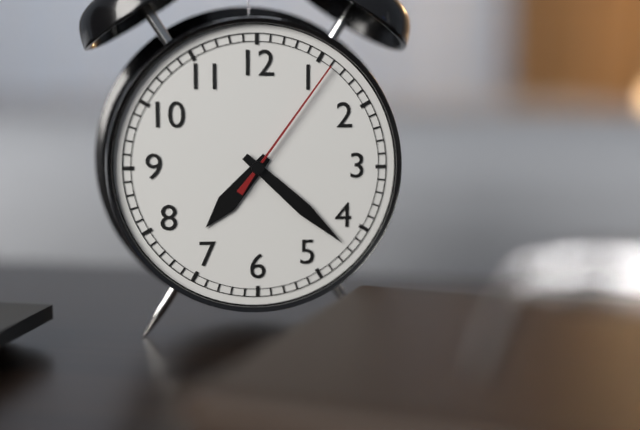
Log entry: {"hour": 7, "minute": 22, "second": 6}
